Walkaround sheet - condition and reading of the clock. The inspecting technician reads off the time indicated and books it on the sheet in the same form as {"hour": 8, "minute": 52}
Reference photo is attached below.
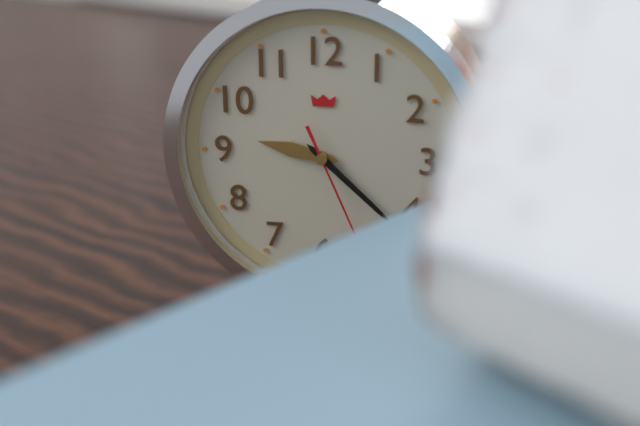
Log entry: {"hour": 9, "minute": 22}
